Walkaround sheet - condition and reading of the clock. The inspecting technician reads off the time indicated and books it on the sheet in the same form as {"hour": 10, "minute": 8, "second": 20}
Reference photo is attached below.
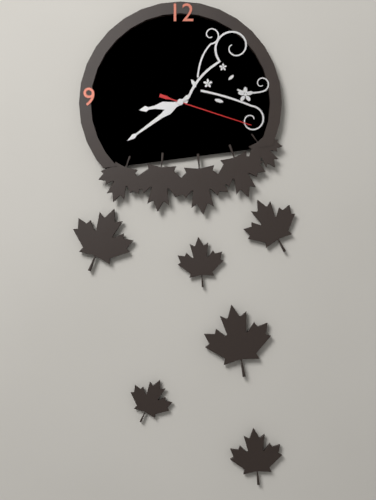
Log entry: {"hour": 8, "minute": 39, "second": 18}
